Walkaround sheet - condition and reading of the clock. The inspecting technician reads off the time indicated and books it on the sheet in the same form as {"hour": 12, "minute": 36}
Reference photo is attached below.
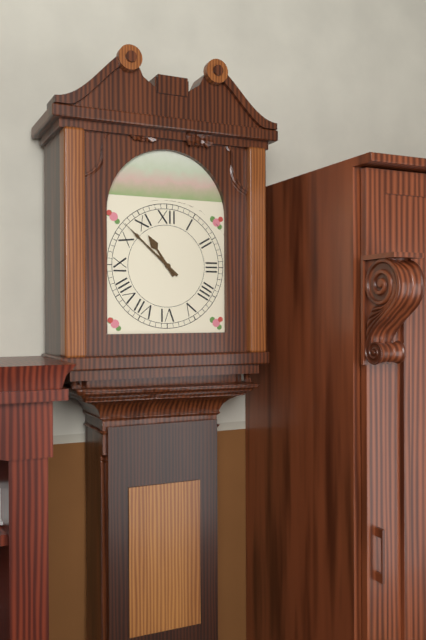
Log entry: {"hour": 10, "minute": 52}
